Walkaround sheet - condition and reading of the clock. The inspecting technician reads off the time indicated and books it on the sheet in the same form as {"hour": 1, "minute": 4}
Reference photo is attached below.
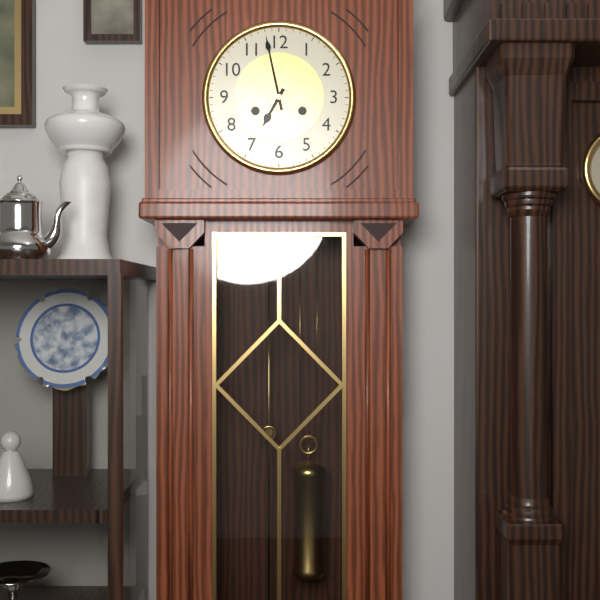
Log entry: {"hour": 6, "minute": 58}
